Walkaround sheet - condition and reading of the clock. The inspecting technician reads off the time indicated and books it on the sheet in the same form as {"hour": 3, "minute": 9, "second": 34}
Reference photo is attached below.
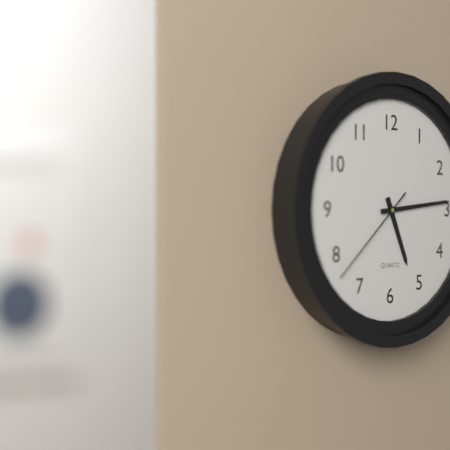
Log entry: {"hour": 5, "minute": 14, "second": 38}
